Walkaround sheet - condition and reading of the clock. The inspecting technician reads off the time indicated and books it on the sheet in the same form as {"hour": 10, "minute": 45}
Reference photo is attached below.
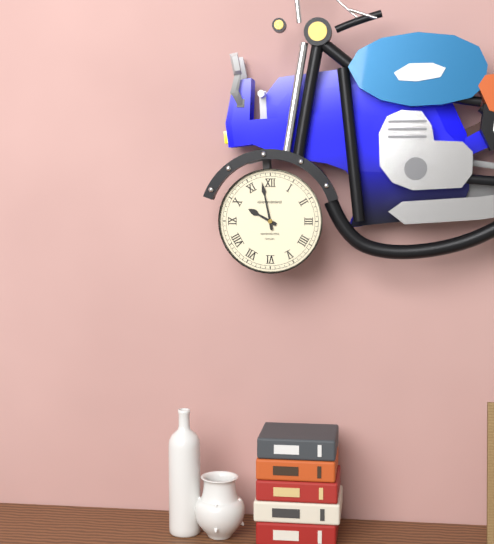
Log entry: {"hour": 9, "minute": 58}
